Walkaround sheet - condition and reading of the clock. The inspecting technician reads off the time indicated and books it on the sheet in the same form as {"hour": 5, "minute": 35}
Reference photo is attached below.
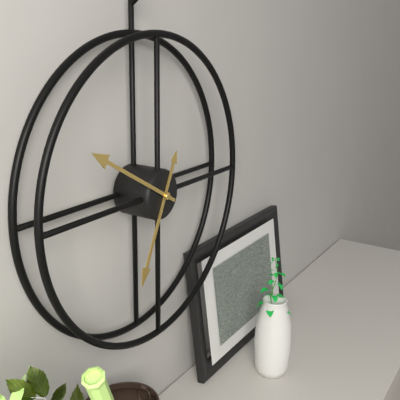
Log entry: {"hour": 6, "minute": 50}
